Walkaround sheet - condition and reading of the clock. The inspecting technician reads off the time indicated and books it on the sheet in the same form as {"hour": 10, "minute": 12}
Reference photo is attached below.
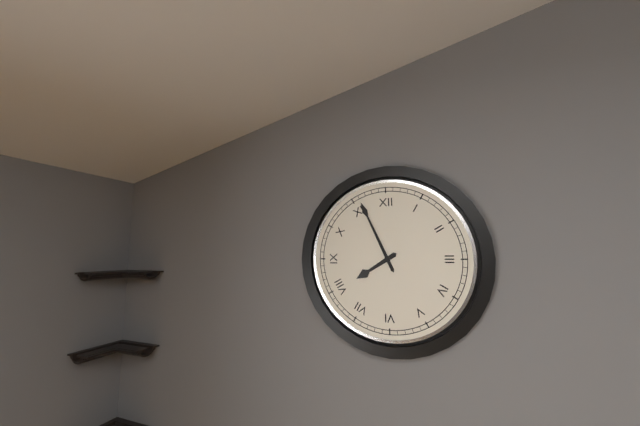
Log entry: {"hour": 7, "minute": 56}
